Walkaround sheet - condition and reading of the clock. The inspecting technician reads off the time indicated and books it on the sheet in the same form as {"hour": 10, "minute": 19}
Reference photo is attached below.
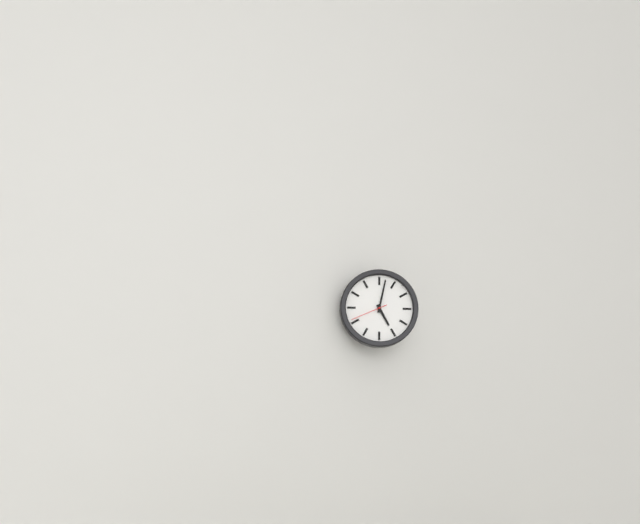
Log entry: {"hour": 5, "minute": 2}
